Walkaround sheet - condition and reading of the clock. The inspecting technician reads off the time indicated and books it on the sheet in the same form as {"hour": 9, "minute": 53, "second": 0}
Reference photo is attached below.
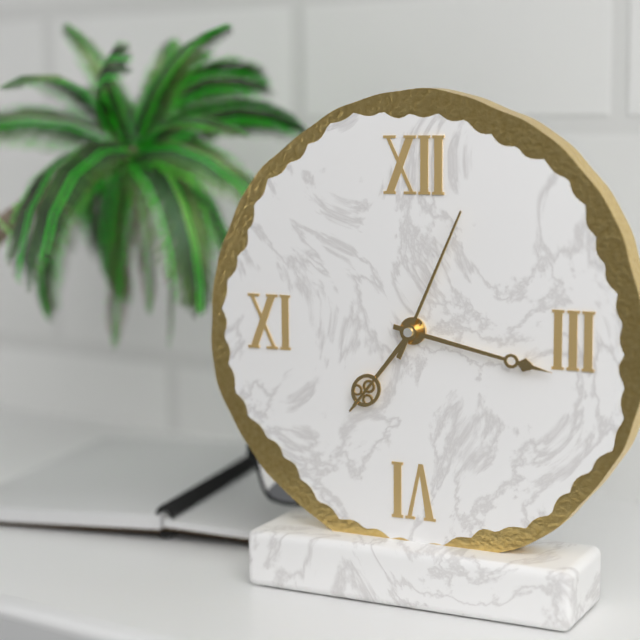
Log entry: {"hour": 7, "minute": 17, "second": 4}
